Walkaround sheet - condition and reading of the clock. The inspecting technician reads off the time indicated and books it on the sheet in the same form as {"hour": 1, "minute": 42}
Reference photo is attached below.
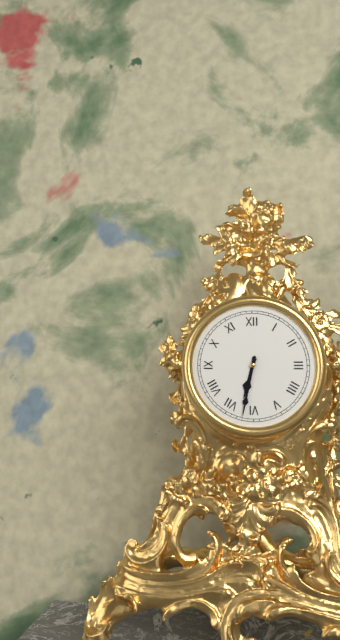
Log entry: {"hour": 6, "minute": 32}
